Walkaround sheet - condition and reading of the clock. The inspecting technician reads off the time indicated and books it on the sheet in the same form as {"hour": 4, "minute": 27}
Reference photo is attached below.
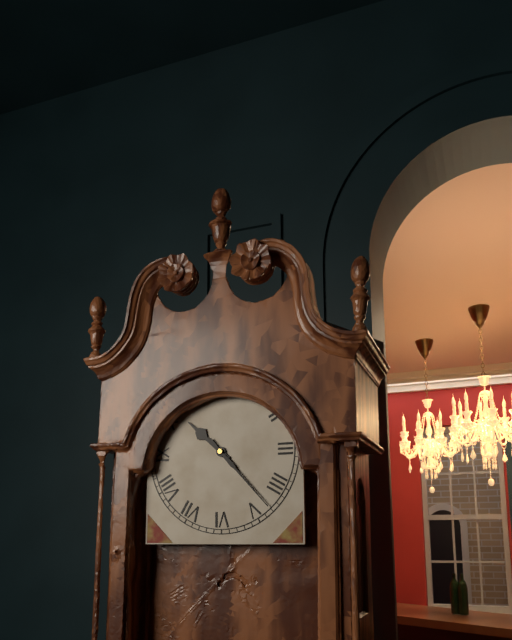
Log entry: {"hour": 10, "minute": 23}
